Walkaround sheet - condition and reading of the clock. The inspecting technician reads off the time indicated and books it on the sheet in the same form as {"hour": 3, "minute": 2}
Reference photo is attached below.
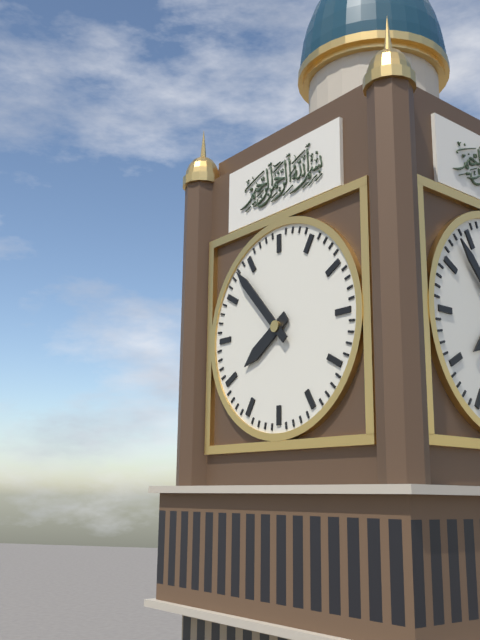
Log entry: {"hour": 7, "minute": 53}
